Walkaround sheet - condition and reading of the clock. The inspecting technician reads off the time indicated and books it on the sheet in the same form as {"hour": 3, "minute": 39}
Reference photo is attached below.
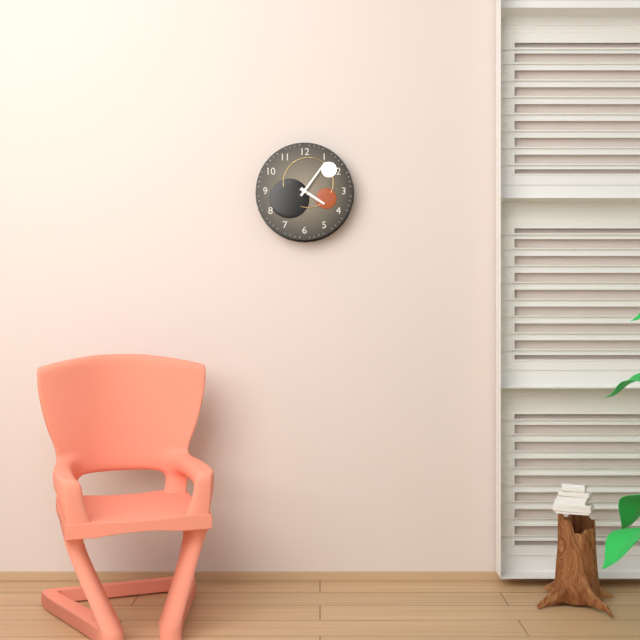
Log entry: {"hour": 4, "minute": 6}
